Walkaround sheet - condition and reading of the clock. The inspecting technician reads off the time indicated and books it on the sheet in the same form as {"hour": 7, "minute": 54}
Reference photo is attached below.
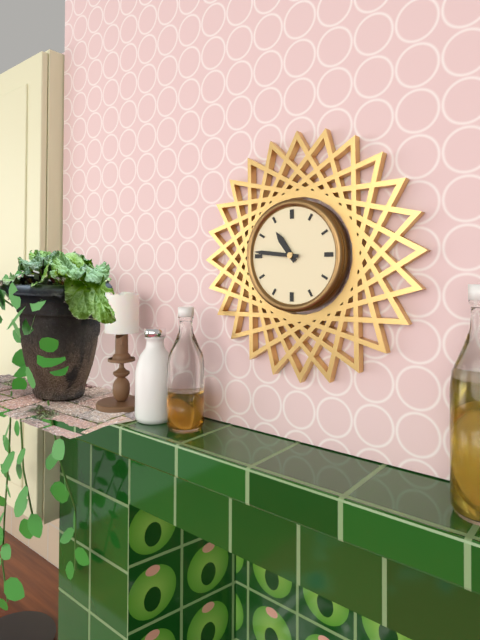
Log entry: {"hour": 10, "minute": 46}
